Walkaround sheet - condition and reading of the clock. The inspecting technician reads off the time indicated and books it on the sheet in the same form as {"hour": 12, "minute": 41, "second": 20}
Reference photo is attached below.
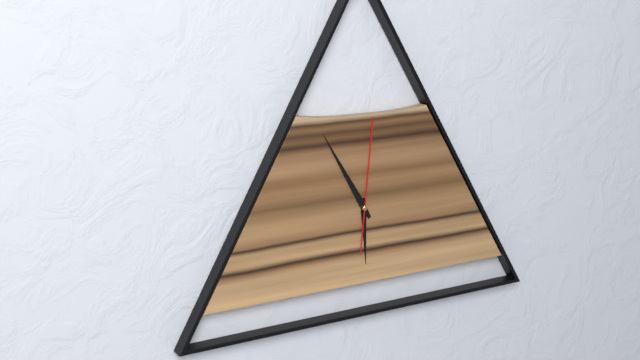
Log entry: {"hour": 5, "minute": 55, "second": 1}
